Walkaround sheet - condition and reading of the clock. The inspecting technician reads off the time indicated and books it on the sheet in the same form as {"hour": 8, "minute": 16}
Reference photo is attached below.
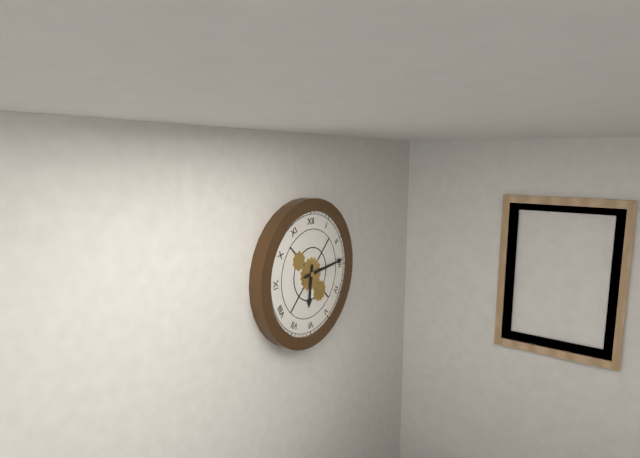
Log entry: {"hour": 6, "minute": 14}
